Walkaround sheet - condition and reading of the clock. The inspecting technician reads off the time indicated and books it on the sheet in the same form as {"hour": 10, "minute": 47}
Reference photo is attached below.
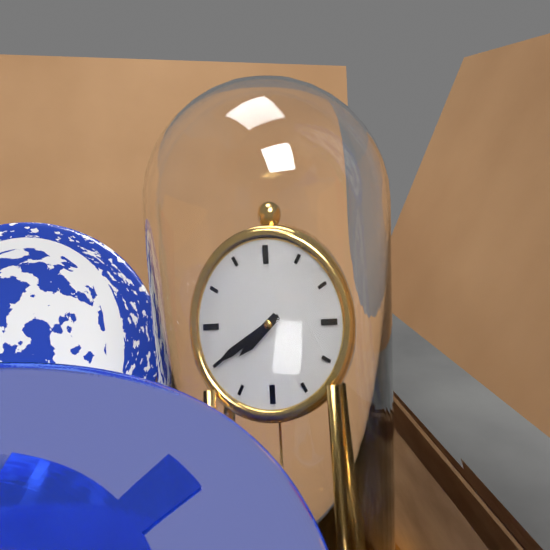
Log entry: {"hour": 7, "minute": 40}
